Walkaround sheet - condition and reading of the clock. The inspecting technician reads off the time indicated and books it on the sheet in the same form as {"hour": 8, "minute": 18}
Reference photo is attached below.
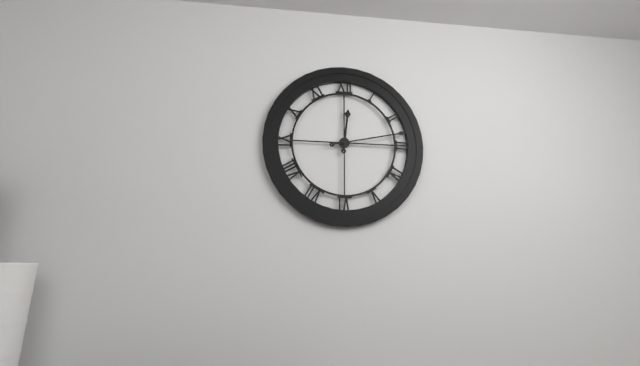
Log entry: {"hour": 12, "minute": 13}
